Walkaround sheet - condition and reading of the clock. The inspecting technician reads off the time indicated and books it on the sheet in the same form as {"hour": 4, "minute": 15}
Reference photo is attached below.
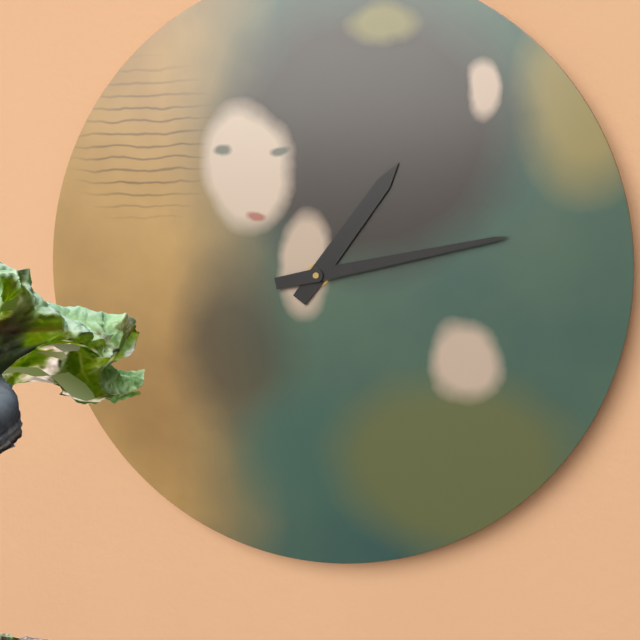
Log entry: {"hour": 1, "minute": 13}
